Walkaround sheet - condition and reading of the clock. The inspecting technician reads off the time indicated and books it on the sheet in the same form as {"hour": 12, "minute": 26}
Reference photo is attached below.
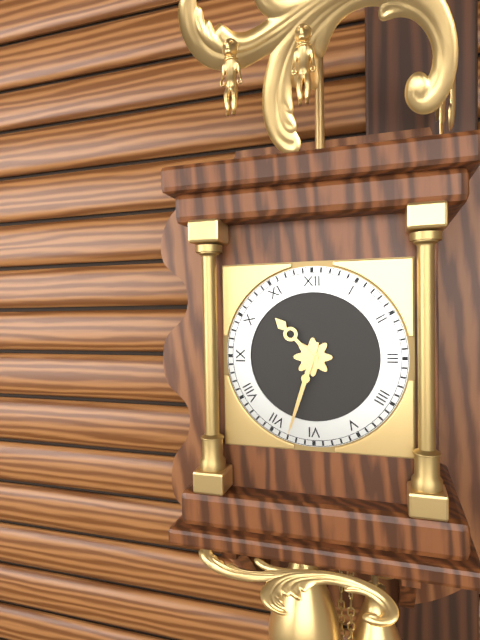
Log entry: {"hour": 10, "minute": 33}
